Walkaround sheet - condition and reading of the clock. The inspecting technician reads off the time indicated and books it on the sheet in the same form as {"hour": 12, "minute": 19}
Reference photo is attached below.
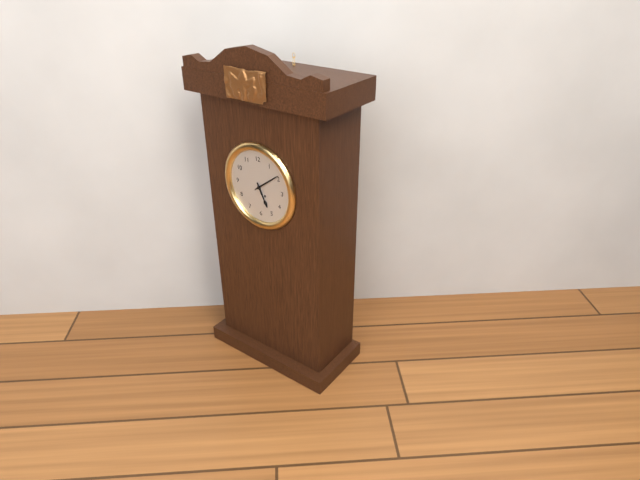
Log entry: {"hour": 5, "minute": 9}
